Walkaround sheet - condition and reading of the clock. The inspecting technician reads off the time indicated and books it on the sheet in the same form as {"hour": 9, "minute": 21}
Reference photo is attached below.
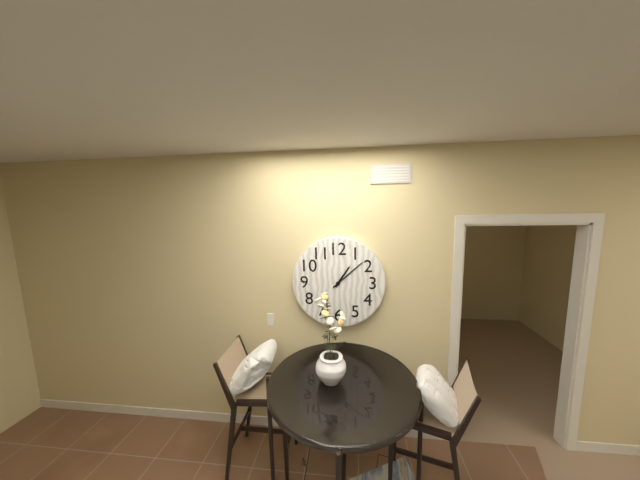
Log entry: {"hour": 1, "minute": 8}
